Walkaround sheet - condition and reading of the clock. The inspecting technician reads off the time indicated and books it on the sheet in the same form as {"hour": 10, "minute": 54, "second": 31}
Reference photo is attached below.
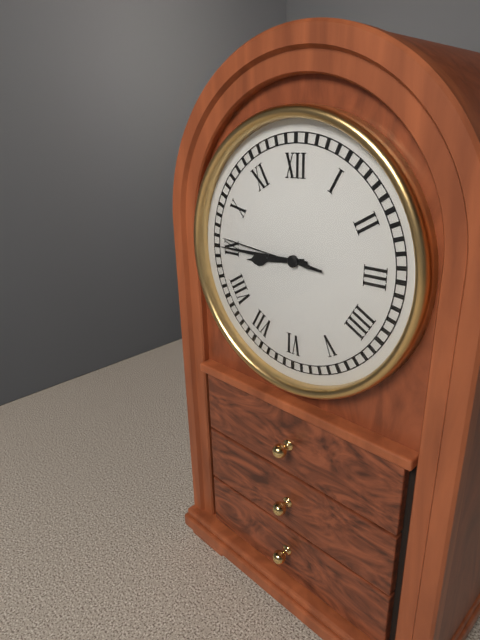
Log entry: {"hour": 8, "minute": 45, "second": 46}
